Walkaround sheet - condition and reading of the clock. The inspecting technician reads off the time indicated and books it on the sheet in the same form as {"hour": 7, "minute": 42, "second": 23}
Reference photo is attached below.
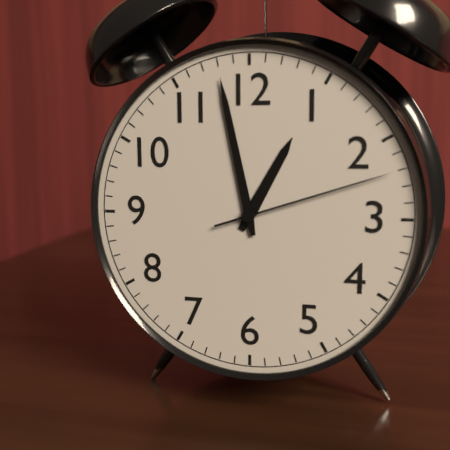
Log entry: {"hour": 12, "minute": 58, "second": 12}
